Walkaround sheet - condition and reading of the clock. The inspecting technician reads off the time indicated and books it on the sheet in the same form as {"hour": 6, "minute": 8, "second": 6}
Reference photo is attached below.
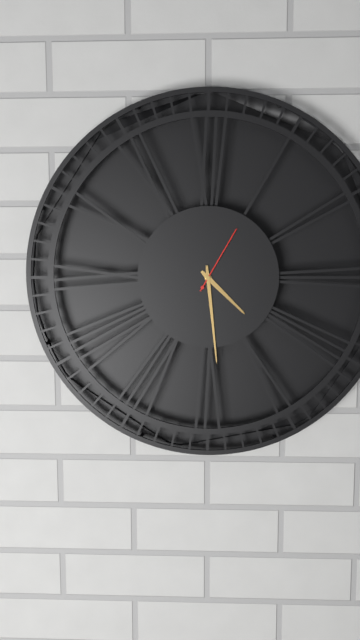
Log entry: {"hour": 4, "minute": 29, "second": 5}
